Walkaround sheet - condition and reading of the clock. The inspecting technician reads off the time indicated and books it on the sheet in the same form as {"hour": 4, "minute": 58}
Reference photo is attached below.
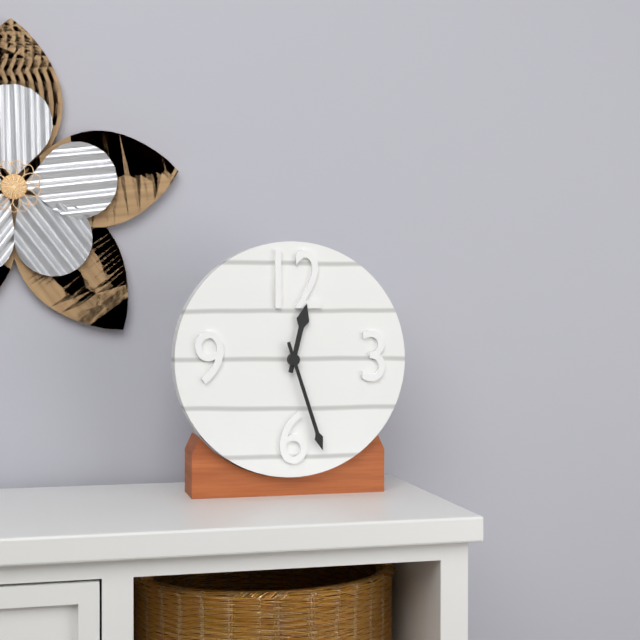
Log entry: {"hour": 12, "minute": 27}
